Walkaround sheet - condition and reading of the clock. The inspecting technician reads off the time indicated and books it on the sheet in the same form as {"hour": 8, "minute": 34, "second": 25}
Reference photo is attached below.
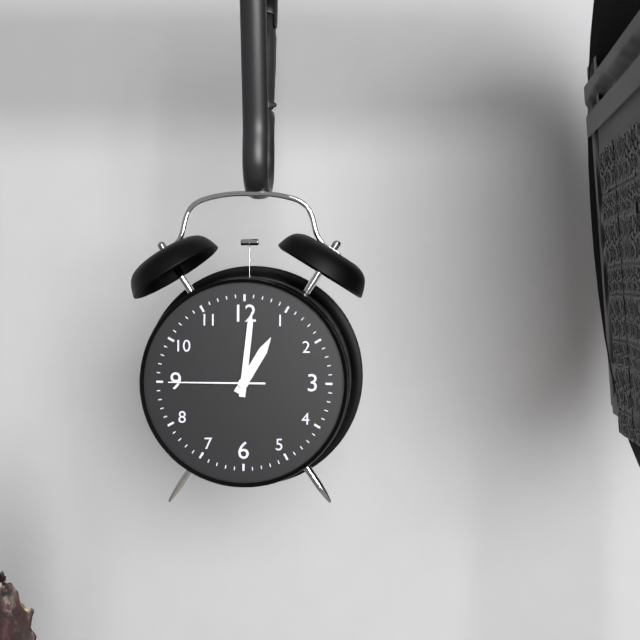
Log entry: {"hour": 1, "minute": 1, "second": 45}
